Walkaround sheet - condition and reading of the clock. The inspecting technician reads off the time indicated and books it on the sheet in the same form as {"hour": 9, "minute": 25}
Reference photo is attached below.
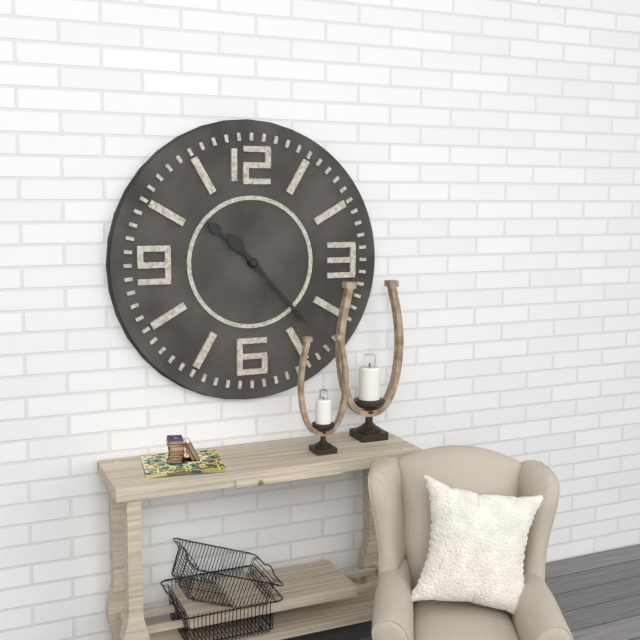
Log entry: {"hour": 10, "minute": 23}
